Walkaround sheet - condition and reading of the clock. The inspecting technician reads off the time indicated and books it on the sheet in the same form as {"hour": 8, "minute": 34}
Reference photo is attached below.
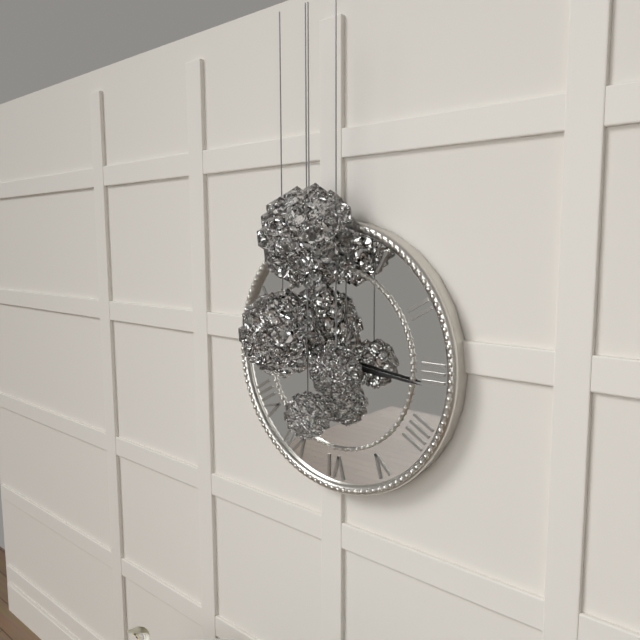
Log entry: {"hour": 3, "minute": 16}
